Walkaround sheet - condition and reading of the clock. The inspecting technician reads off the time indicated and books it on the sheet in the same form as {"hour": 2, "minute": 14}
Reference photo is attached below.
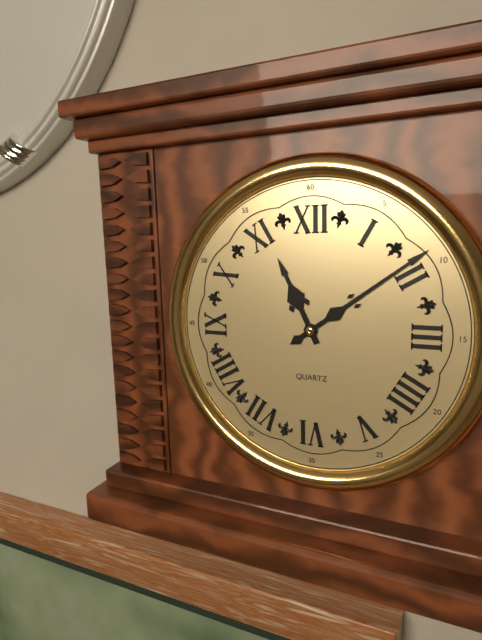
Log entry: {"hour": 11, "minute": 9}
